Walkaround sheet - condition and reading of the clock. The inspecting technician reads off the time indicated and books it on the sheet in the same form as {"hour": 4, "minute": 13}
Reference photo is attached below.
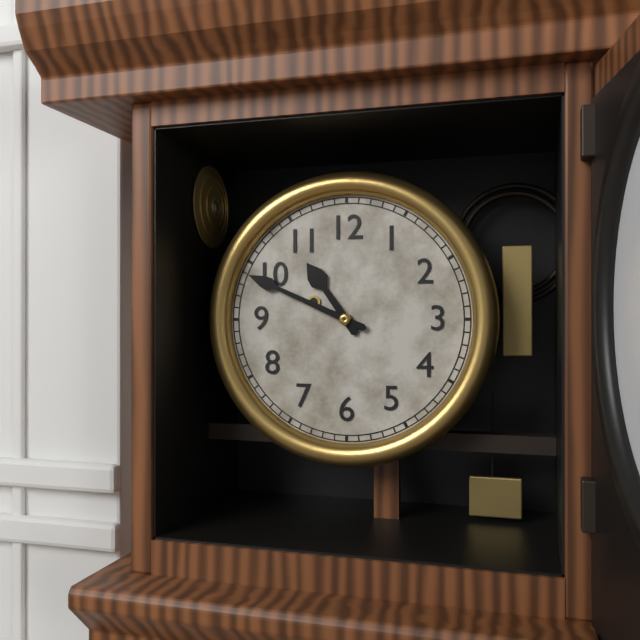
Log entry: {"hour": 10, "minute": 49}
